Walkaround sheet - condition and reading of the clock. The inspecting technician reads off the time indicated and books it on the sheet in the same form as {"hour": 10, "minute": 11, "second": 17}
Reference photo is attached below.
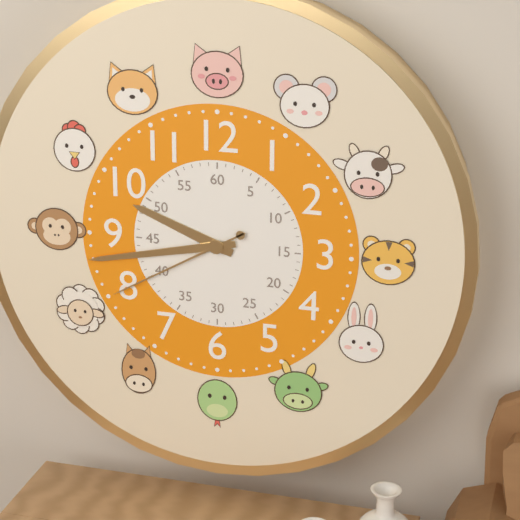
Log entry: {"hour": 9, "minute": 43, "second": 40}
